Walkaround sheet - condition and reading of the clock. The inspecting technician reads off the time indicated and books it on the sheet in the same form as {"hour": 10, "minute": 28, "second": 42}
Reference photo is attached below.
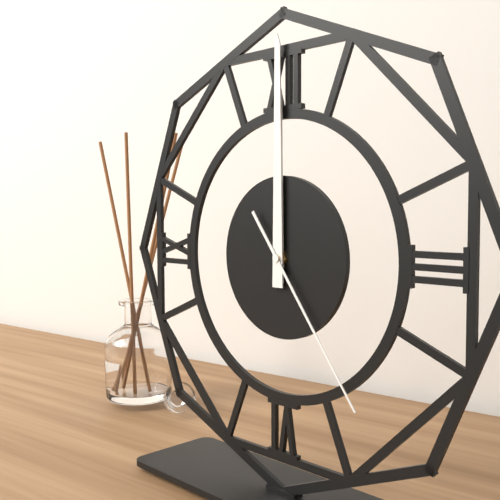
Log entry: {"hour": 12, "minute": 0, "second": 24}
